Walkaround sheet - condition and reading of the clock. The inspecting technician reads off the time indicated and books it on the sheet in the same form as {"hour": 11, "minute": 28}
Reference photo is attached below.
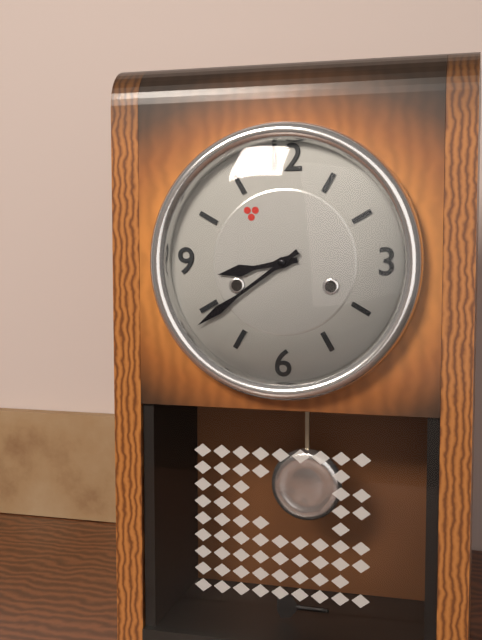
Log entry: {"hour": 8, "minute": 39}
